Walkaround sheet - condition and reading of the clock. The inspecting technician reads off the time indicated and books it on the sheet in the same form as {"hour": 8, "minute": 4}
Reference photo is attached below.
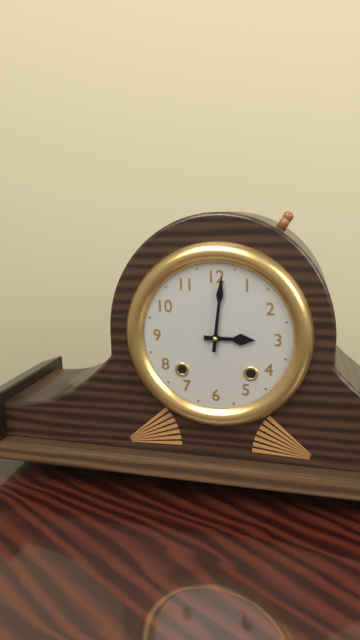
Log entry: {"hour": 3, "minute": 1}
